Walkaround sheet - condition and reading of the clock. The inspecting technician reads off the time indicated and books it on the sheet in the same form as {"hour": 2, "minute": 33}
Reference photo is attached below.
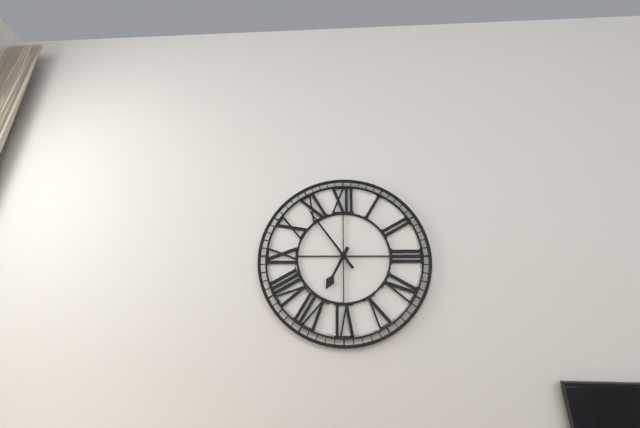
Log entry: {"hour": 6, "minute": 54}
